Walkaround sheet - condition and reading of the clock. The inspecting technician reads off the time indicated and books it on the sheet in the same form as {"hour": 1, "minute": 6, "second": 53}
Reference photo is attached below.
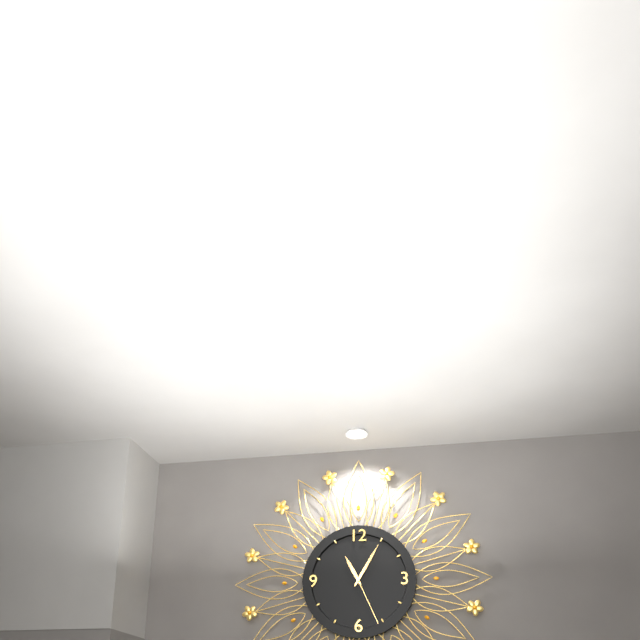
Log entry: {"hour": 11, "minute": 5, "second": 26}
